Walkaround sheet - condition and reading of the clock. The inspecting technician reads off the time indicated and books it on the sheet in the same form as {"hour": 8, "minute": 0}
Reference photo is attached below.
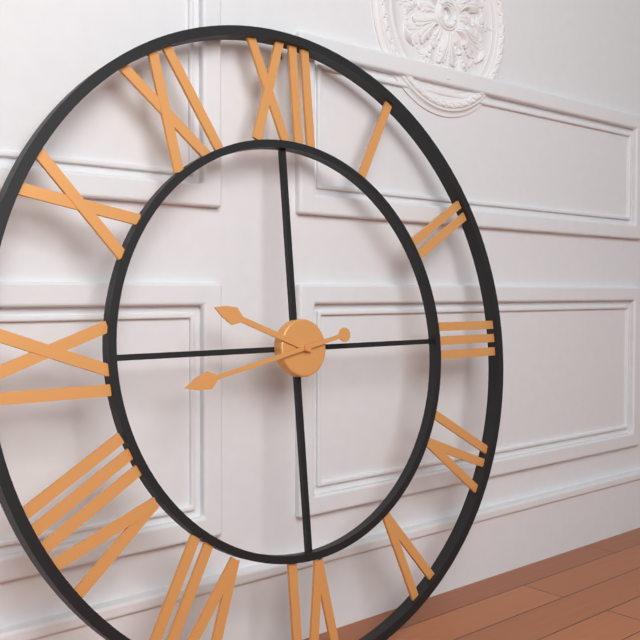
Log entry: {"hour": 9, "minute": 43}
